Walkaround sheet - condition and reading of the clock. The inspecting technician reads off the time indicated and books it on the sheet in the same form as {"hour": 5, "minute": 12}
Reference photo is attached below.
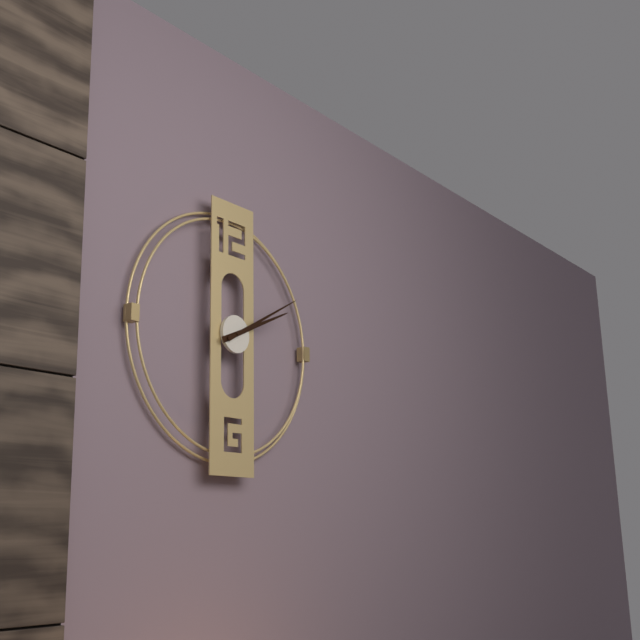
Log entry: {"hour": 2, "minute": 10}
